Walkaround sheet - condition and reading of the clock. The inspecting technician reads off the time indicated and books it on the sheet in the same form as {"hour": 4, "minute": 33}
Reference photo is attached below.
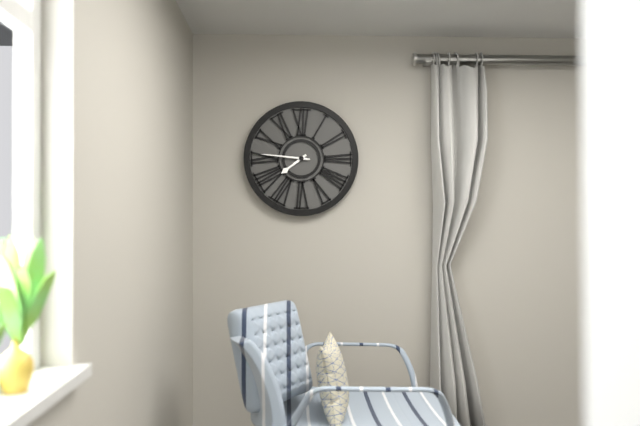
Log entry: {"hour": 7, "minute": 46}
